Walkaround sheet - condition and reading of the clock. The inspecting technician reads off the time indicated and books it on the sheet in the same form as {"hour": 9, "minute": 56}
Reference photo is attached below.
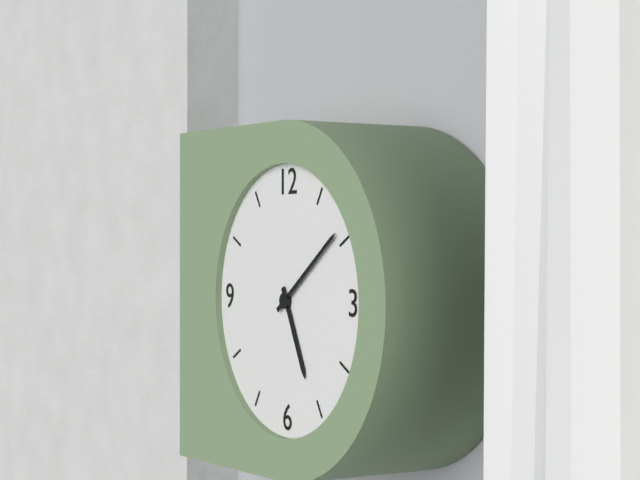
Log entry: {"hour": 5, "minute": 9}
